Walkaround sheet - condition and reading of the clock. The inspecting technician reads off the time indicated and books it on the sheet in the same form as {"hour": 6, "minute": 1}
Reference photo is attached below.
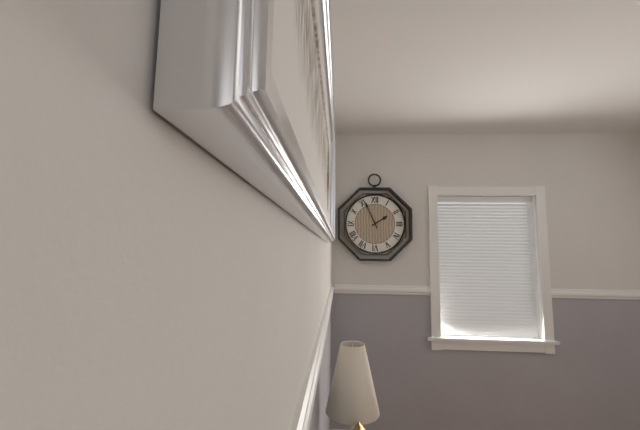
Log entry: {"hour": 1, "minute": 56}
